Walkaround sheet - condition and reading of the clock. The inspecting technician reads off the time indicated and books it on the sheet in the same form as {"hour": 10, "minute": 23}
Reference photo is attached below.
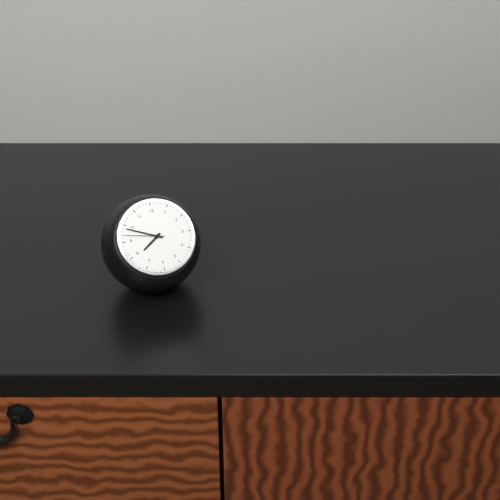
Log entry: {"hour": 7, "minute": 49}
